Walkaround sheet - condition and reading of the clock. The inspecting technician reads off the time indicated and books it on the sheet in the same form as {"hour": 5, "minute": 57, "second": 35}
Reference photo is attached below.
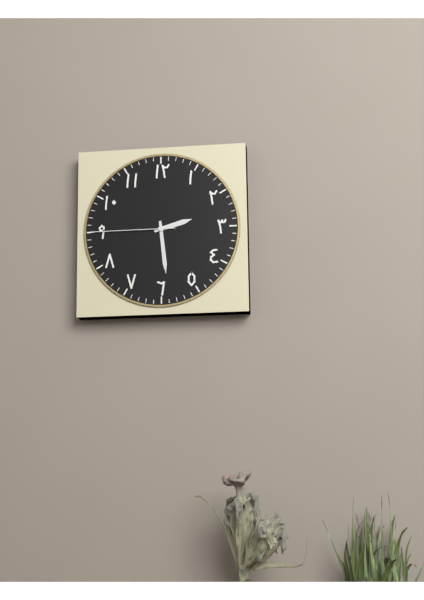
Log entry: {"hour": 2, "minute": 29, "second": 45}
